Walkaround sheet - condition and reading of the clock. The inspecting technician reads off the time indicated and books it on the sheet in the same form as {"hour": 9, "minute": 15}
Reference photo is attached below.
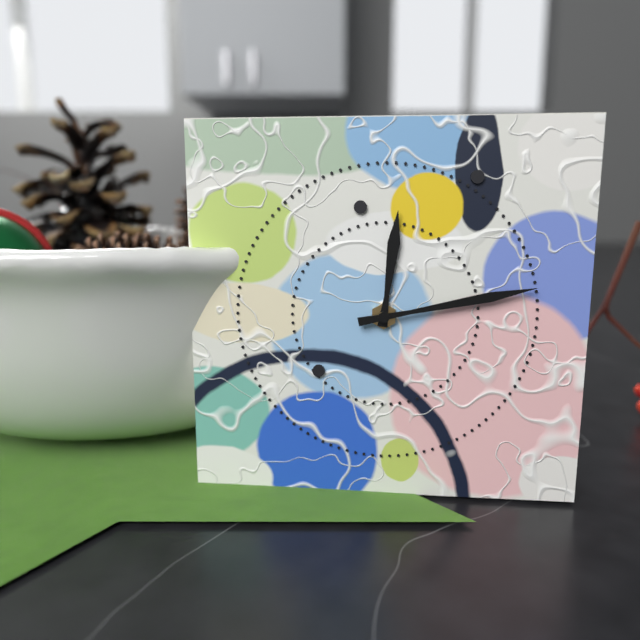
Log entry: {"hour": 12, "minute": 13}
